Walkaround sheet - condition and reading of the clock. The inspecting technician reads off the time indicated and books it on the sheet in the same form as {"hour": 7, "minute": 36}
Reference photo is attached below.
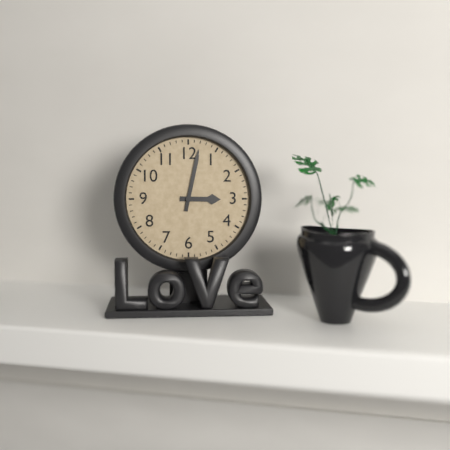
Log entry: {"hour": 3, "minute": 2}
